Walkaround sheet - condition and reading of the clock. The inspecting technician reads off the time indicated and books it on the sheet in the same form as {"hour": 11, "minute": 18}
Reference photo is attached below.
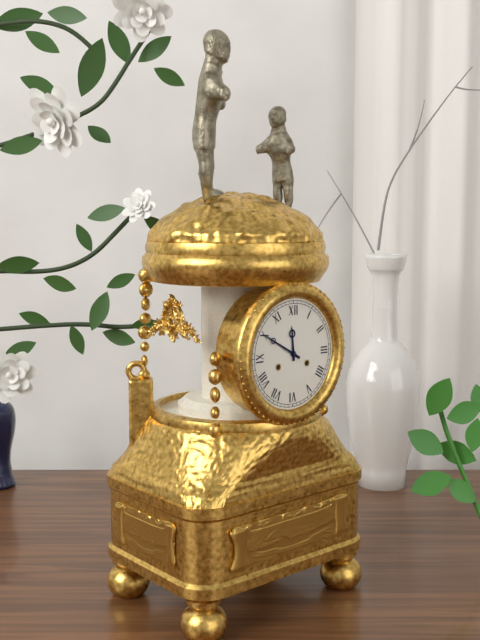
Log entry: {"hour": 11, "minute": 50}
